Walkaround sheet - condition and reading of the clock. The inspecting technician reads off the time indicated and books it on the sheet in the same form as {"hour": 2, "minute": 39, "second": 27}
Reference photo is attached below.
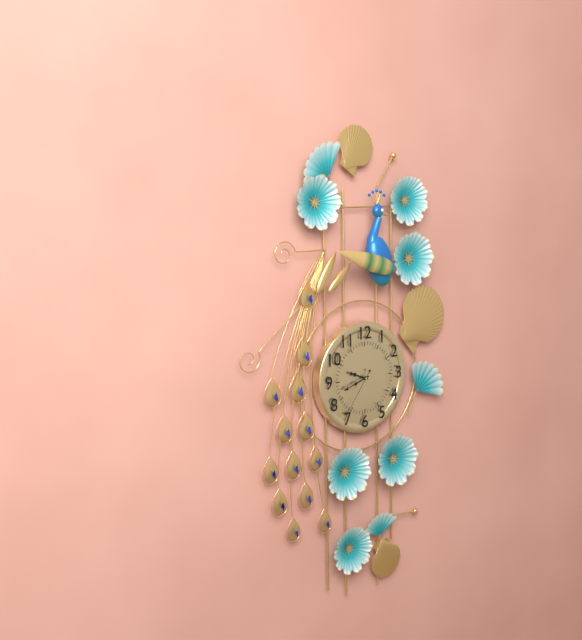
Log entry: {"hour": 9, "minute": 42, "second": 36}
